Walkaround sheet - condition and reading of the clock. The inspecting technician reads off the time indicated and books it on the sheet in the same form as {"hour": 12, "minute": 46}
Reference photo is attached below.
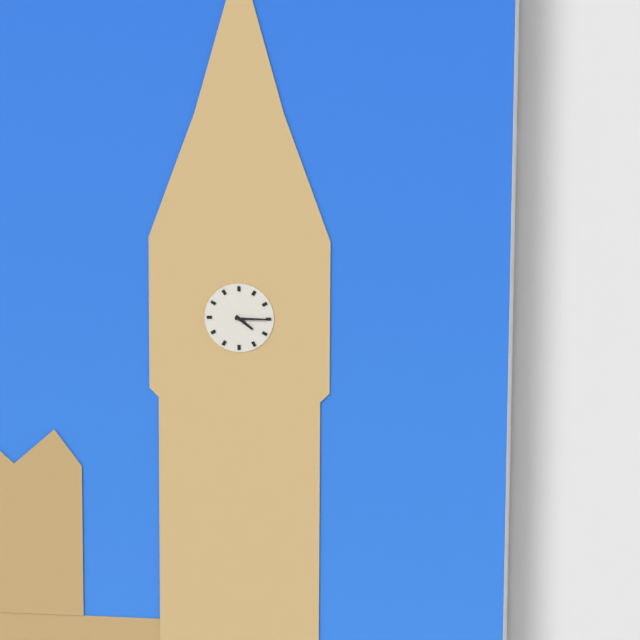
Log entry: {"hour": 4, "minute": 15}
